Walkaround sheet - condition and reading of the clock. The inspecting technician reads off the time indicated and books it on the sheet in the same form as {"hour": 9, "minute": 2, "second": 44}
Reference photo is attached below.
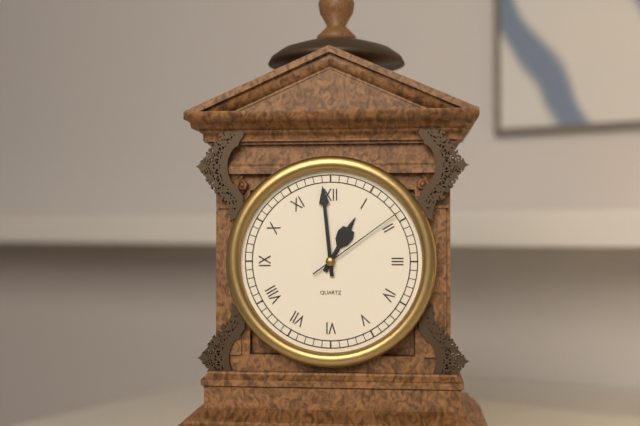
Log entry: {"hour": 12, "minute": 59, "second": 9}
